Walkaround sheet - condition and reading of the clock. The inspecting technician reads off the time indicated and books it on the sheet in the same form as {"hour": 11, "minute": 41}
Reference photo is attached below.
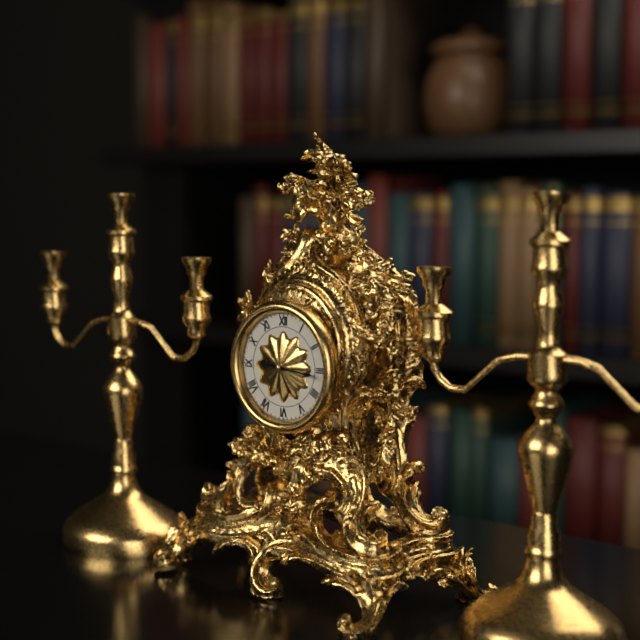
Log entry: {"hour": 9, "minute": 16}
